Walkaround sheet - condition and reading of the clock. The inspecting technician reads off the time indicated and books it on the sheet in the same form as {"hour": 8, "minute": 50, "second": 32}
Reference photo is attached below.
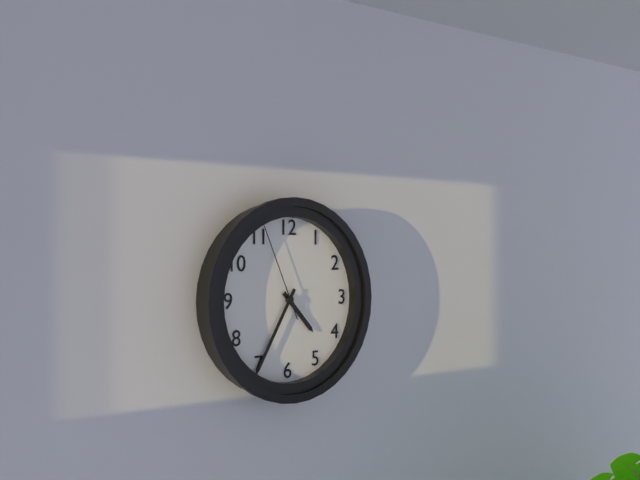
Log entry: {"hour": 4, "minute": 35, "second": 56}
